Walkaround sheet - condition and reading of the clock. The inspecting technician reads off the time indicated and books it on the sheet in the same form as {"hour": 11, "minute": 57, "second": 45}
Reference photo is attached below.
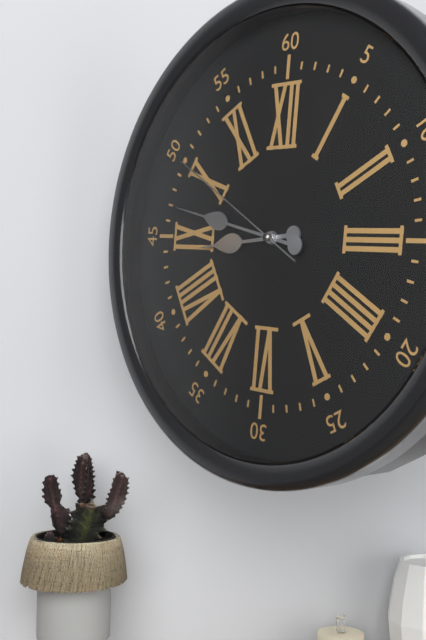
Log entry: {"hour": 8, "minute": 47, "second": 50}
